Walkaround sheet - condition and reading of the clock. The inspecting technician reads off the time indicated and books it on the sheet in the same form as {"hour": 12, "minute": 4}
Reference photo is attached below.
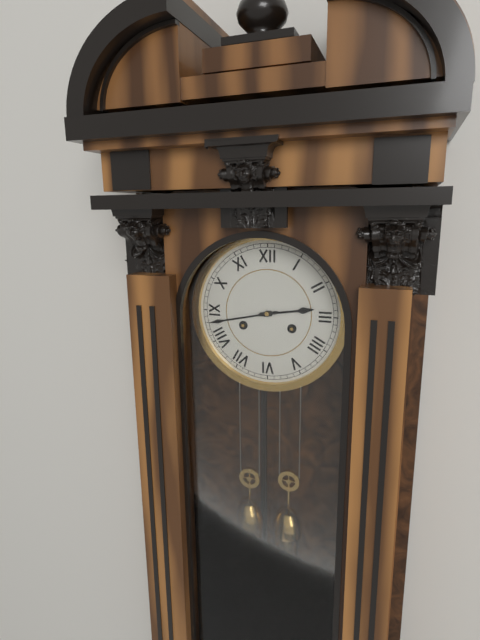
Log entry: {"hour": 2, "minute": 43}
